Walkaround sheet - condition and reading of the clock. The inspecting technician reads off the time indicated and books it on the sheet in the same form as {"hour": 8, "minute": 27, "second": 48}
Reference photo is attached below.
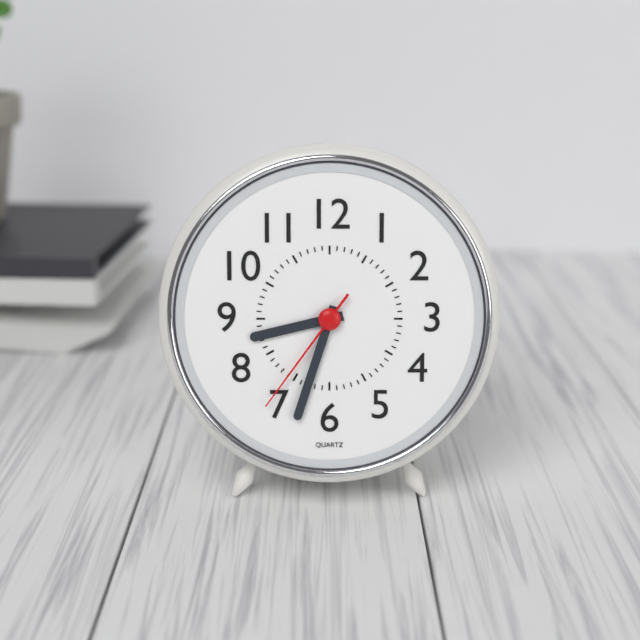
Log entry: {"hour": 8, "minute": 33, "second": 36}
